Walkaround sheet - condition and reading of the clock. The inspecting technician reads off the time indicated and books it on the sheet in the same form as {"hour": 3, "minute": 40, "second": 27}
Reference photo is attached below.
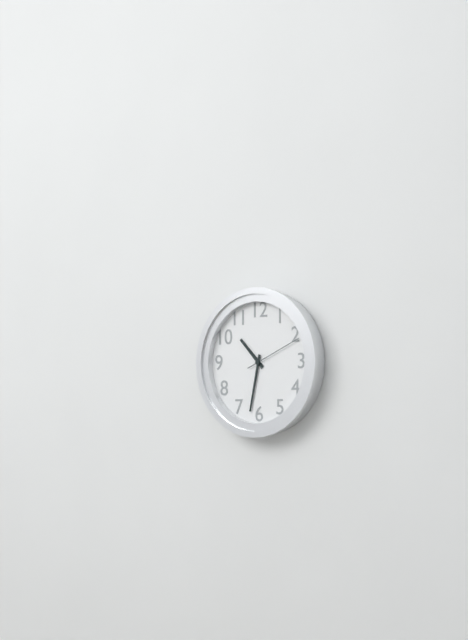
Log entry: {"hour": 10, "minute": 32, "second": 11}
